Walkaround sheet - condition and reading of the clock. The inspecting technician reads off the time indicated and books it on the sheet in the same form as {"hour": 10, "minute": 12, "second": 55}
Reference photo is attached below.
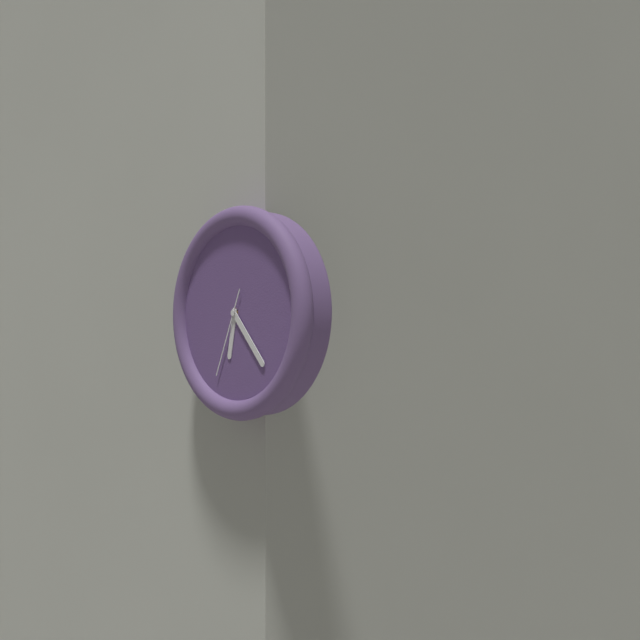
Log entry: {"hour": 6, "minute": 23, "second": 34}
